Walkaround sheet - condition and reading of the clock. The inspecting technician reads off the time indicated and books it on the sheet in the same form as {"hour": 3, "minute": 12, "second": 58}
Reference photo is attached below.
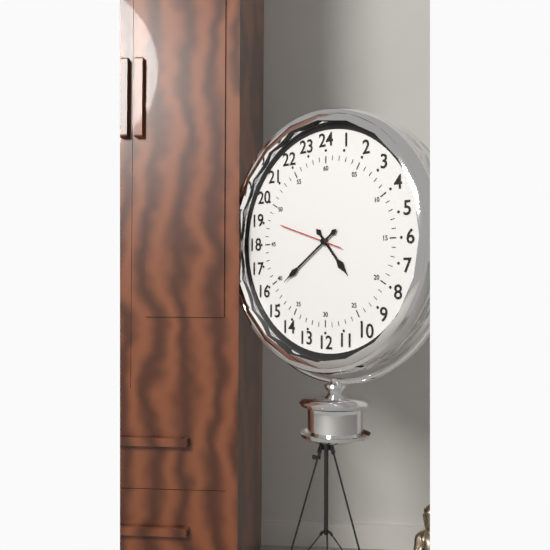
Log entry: {"hour": 4, "minute": 39, "second": 48}
